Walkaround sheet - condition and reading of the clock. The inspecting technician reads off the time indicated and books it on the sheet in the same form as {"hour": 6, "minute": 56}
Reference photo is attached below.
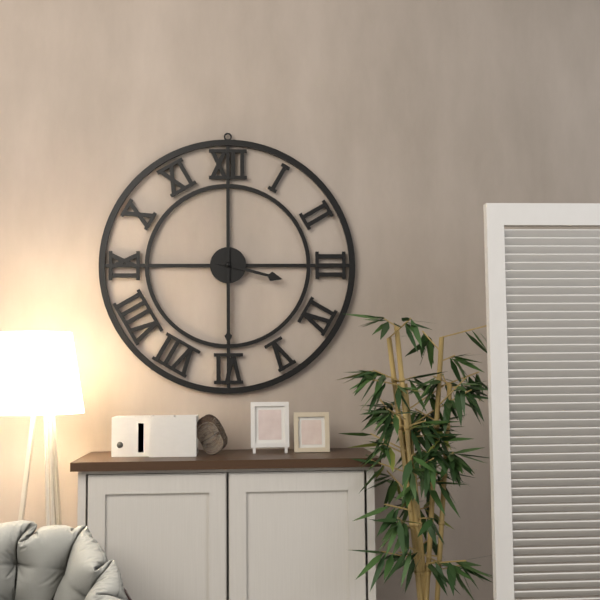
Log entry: {"hour": 3, "minute": 30}
